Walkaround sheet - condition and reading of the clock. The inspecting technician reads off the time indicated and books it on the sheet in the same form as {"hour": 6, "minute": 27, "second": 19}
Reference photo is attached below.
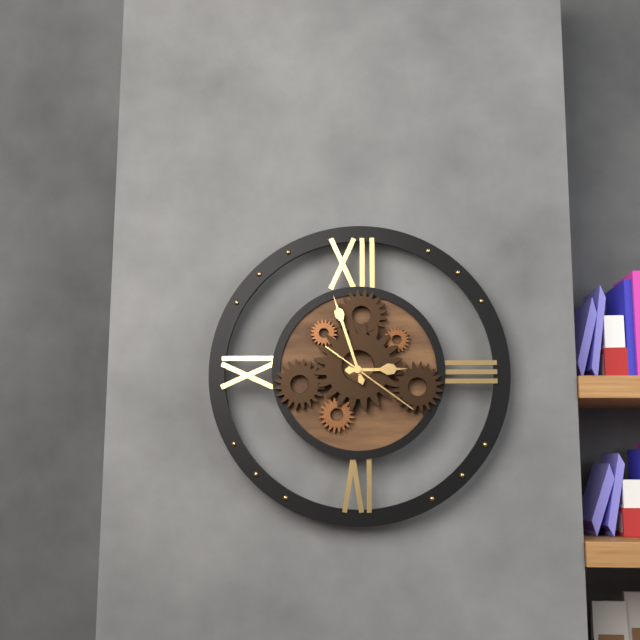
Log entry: {"hour": 2, "minute": 57, "second": 21}
